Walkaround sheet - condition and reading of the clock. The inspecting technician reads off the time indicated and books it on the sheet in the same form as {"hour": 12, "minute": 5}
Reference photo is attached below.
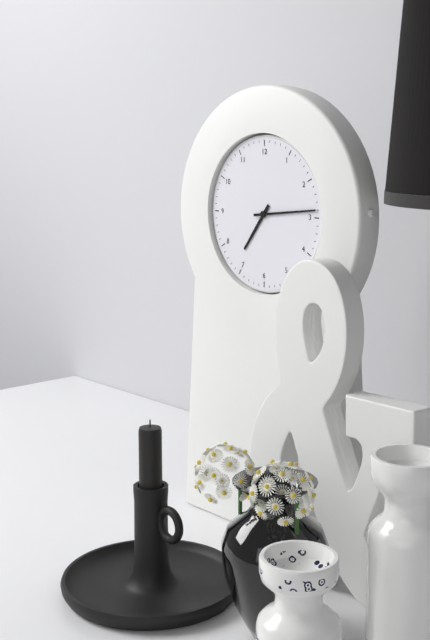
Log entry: {"hour": 7, "minute": 14}
